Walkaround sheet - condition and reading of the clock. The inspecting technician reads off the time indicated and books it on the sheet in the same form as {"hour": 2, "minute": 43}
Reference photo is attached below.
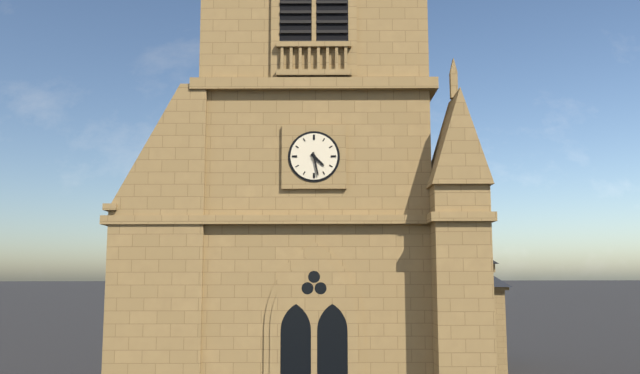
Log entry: {"hour": 4, "minute": 28}
